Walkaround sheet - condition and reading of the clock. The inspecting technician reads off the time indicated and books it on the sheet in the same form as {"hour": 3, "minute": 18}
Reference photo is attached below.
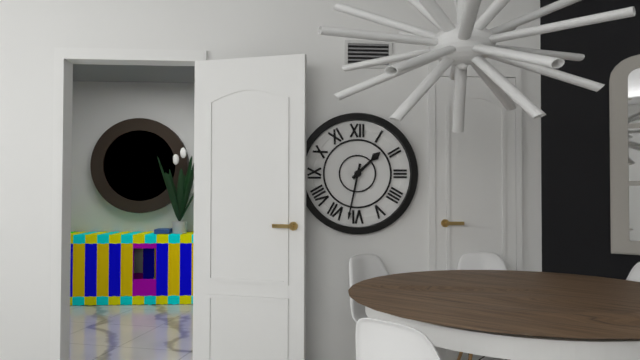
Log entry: {"hour": 1, "minute": 32}
